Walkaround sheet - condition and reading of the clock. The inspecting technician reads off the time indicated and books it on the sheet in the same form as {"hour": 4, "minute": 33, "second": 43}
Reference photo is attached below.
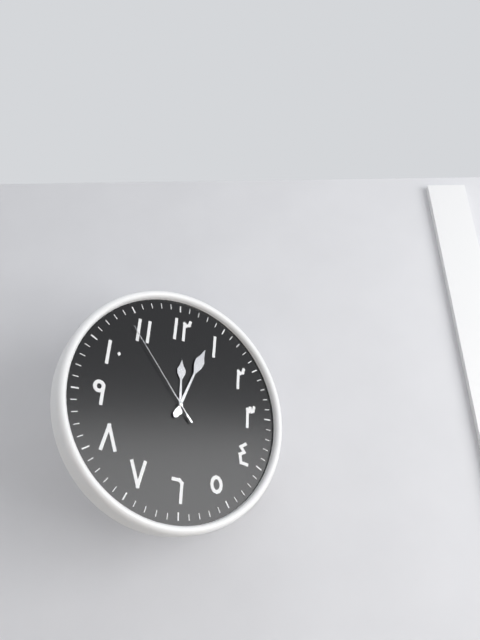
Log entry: {"hour": 12, "minute": 4, "second": 54}
